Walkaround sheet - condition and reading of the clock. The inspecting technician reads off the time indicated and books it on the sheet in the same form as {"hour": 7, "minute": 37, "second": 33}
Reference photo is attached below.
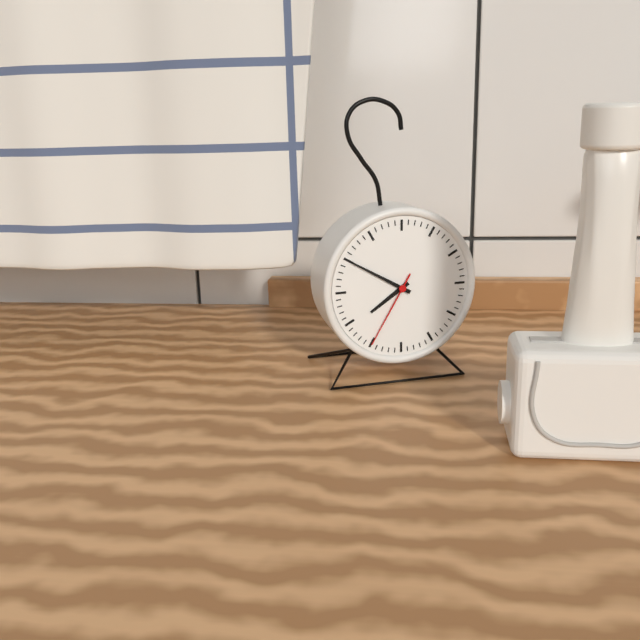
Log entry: {"hour": 7, "minute": 50, "second": 35}
